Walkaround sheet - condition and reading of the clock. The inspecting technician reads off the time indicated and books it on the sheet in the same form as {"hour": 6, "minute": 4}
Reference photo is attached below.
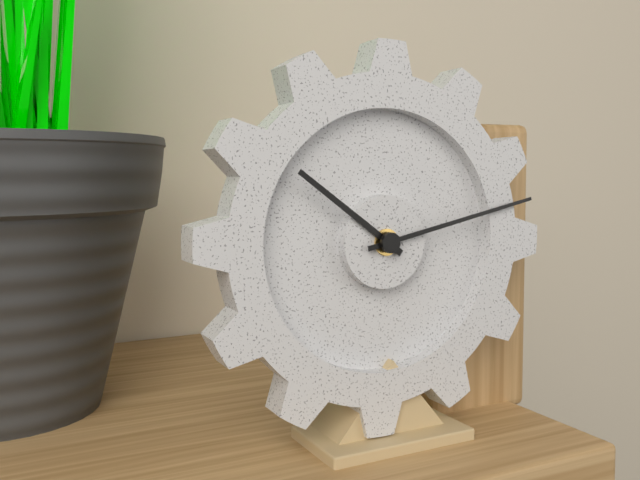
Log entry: {"hour": 10, "minute": 13}
